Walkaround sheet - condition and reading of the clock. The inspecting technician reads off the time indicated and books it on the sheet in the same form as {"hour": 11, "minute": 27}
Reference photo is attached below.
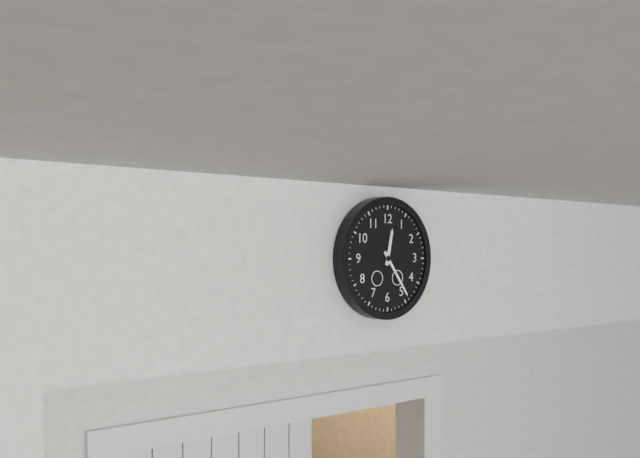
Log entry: {"hour": 12, "minute": 24}
